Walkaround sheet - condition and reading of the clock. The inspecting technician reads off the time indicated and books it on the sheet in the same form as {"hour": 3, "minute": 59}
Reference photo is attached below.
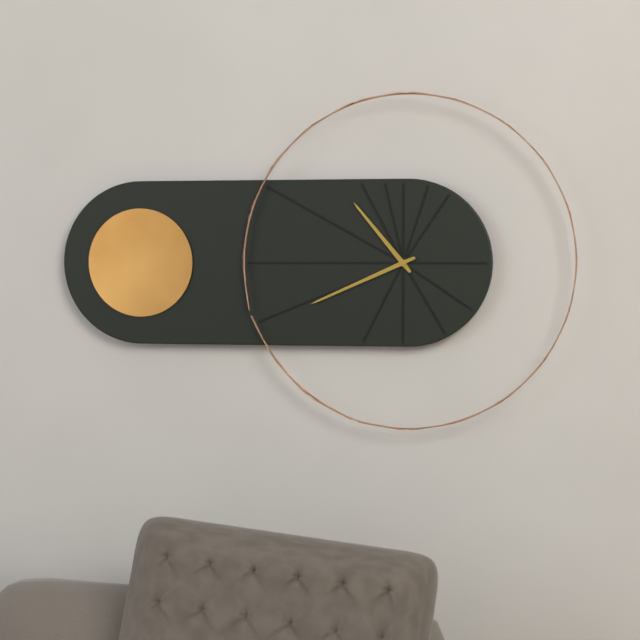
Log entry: {"hour": 10, "minute": 41}
